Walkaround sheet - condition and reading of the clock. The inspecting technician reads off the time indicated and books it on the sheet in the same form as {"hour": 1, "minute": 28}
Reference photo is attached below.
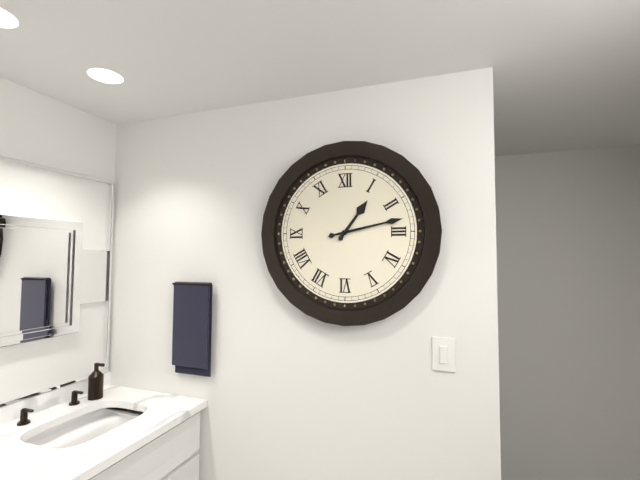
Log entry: {"hour": 1, "minute": 13}
